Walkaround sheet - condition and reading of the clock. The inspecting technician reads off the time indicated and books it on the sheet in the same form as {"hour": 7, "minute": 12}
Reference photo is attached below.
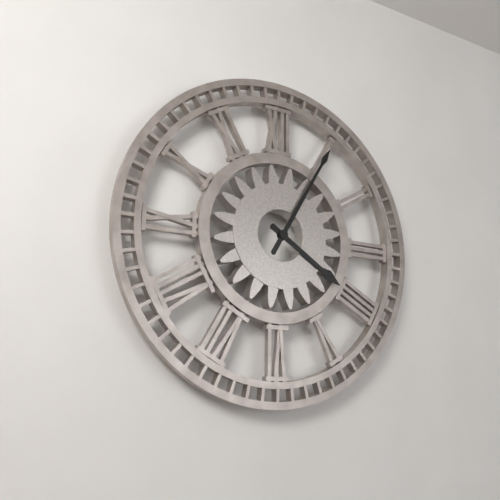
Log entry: {"hour": 4, "minute": 5}
